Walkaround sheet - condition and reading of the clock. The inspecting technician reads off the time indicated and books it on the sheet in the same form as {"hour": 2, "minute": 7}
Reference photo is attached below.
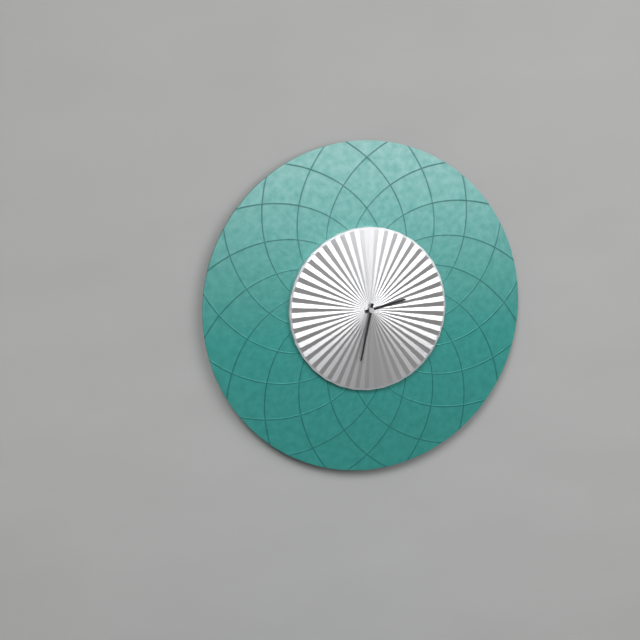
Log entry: {"hour": 2, "minute": 32}
